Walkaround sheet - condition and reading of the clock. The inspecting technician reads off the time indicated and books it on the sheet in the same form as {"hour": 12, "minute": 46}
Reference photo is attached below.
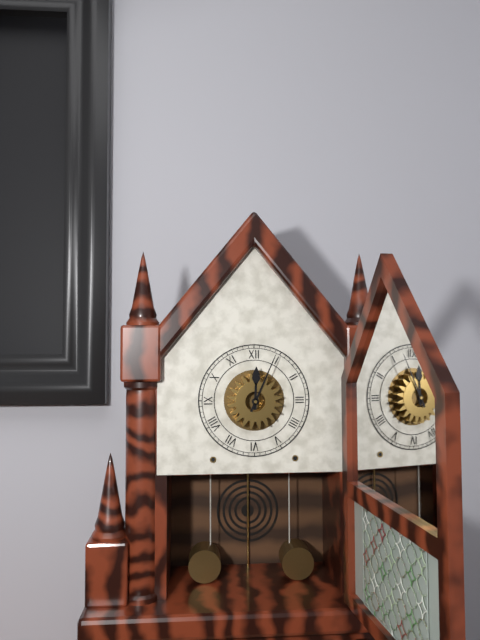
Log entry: {"hour": 12, "minute": 4}
